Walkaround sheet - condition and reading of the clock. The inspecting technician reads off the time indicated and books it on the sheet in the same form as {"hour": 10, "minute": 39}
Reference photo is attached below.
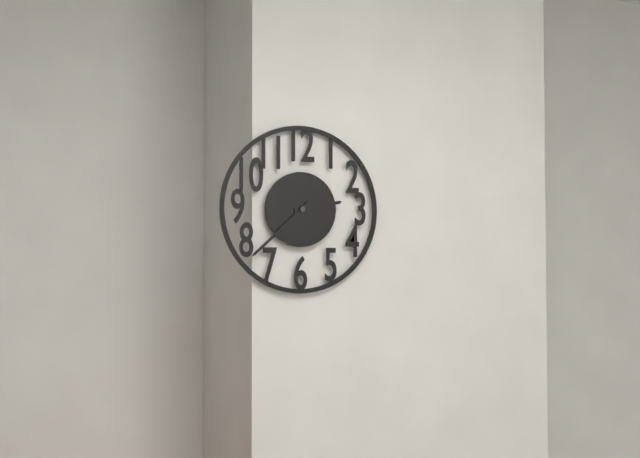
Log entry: {"hour": 2, "minute": 38}
